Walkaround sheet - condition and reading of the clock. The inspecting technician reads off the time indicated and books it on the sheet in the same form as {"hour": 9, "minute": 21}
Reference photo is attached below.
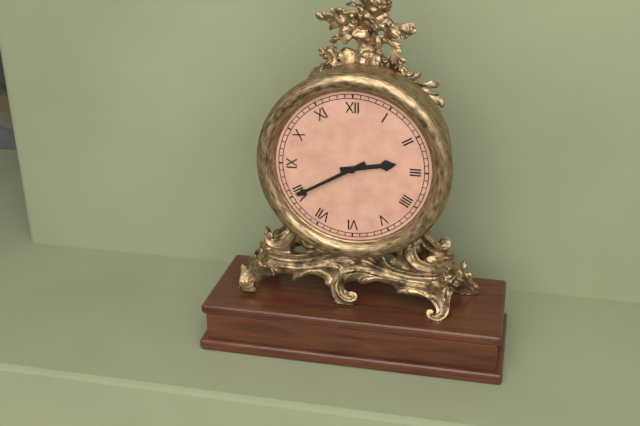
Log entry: {"hour": 2, "minute": 40}
